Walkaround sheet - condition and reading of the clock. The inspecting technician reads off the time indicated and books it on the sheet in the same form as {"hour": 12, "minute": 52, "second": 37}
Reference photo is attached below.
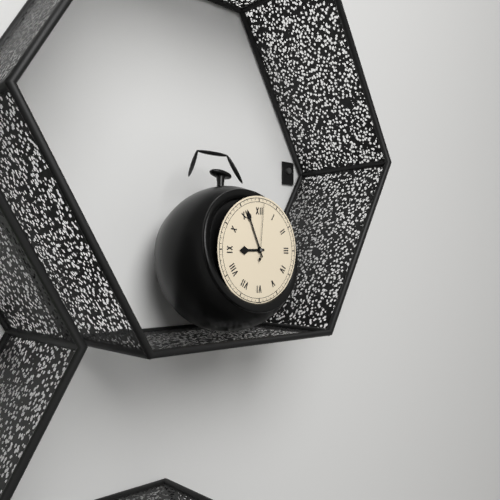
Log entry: {"hour": 8, "minute": 56, "second": 1}
